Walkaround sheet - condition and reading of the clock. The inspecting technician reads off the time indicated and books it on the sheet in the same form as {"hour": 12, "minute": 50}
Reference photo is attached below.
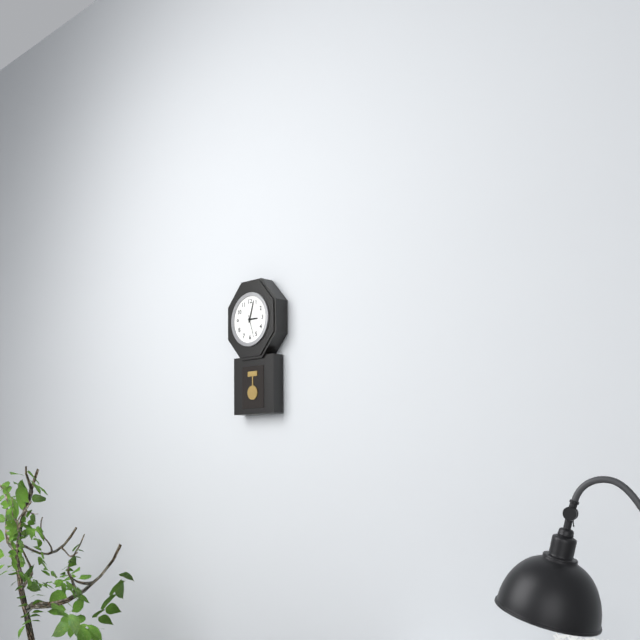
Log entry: {"hour": 3, "minute": 3}
